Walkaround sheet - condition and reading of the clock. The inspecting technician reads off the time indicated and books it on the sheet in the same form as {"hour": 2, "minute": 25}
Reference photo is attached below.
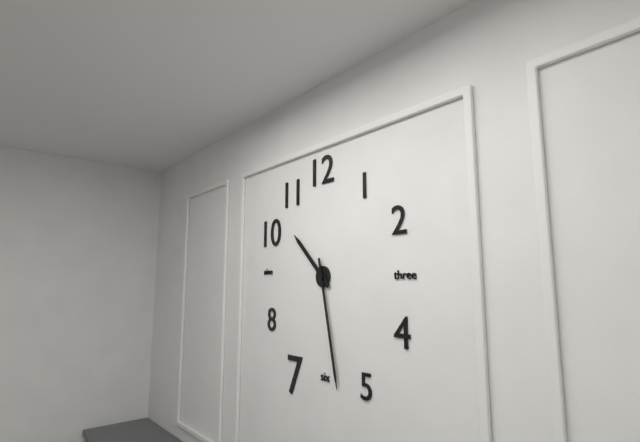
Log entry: {"hour": 10, "minute": 28}
